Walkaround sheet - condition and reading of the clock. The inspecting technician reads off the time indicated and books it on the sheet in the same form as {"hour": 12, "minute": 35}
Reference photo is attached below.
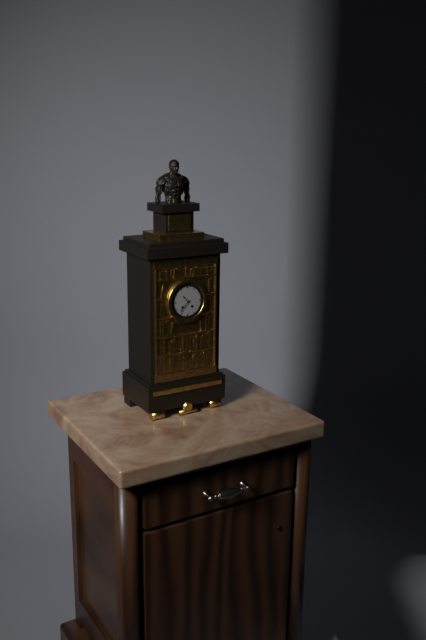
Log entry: {"hour": 10, "minute": 37}
